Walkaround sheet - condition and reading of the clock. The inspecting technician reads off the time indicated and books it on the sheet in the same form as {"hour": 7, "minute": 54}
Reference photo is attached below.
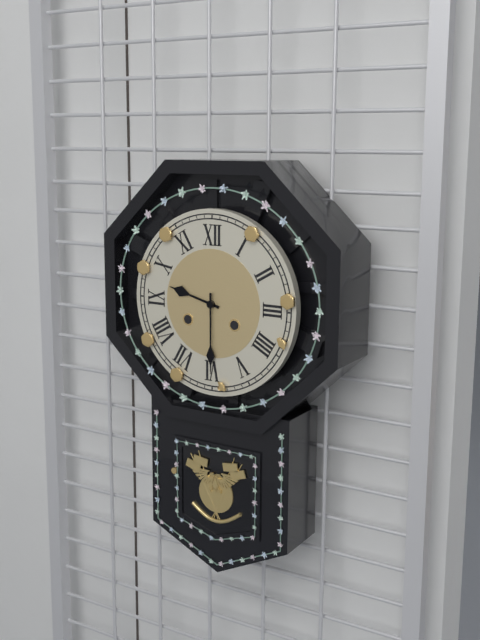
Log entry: {"hour": 9, "minute": 30}
